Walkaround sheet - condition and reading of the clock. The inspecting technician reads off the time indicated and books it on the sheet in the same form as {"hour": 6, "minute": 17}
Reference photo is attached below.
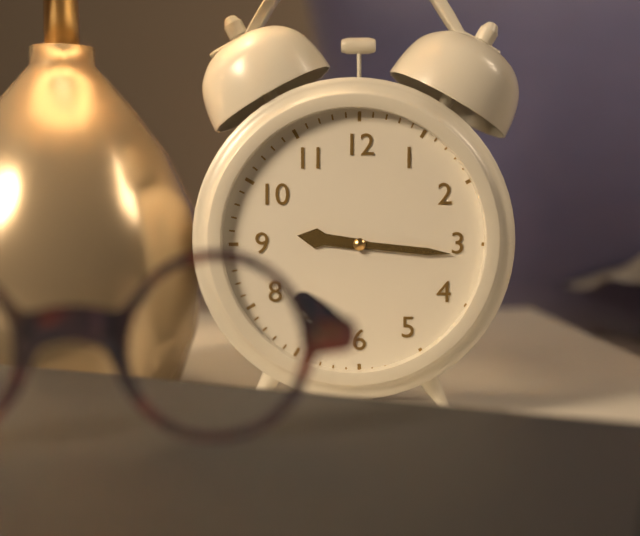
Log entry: {"hour": 9, "minute": 16}
